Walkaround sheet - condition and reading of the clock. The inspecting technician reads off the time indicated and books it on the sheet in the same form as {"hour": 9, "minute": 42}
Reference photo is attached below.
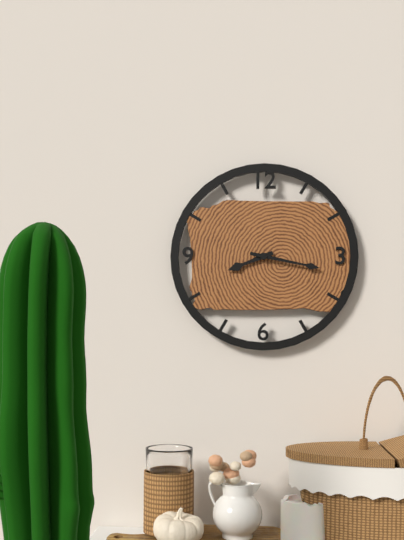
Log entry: {"hour": 8, "minute": 17}
